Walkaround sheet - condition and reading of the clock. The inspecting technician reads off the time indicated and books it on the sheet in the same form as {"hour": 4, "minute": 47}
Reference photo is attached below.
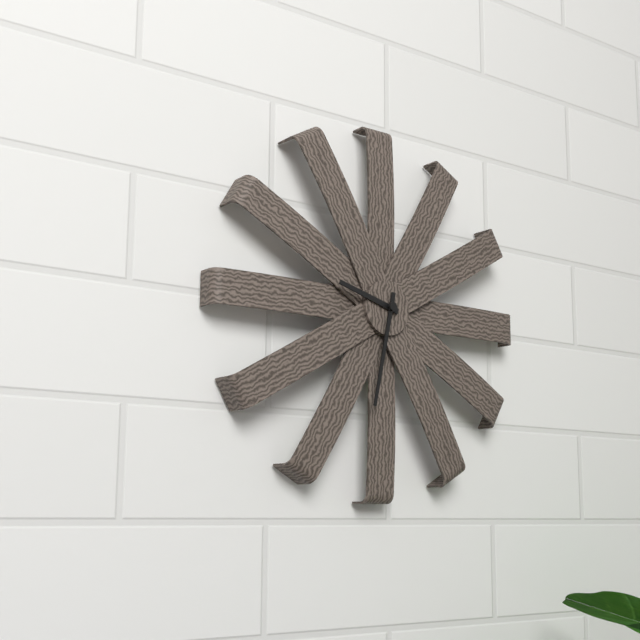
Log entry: {"hour": 9, "minute": 32}
